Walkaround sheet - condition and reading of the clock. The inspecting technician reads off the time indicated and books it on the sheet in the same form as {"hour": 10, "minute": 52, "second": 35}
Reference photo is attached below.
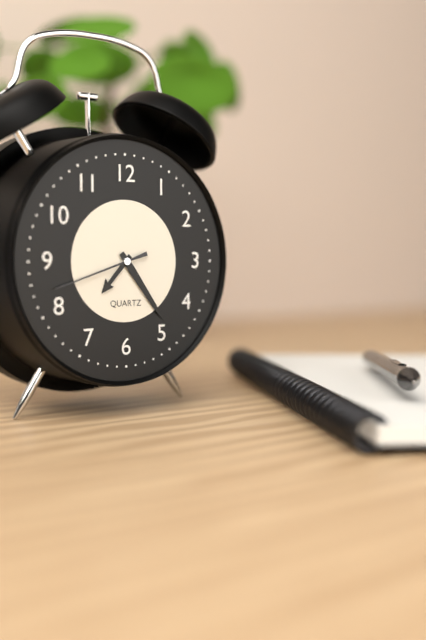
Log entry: {"hour": 7, "minute": 24, "second": 42}
